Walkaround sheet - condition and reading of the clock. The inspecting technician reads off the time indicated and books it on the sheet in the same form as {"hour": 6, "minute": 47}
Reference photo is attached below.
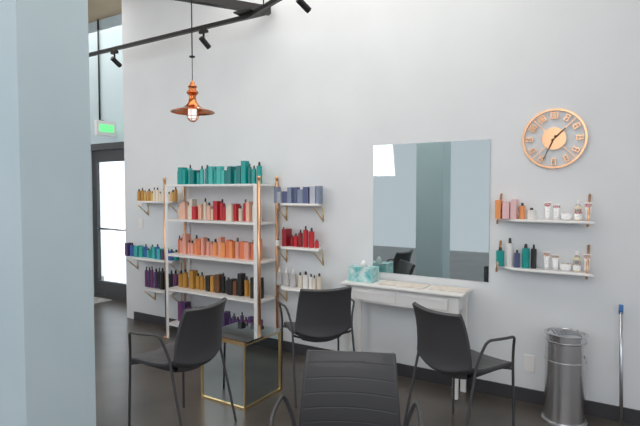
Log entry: {"hour": 1, "minute": 34}
